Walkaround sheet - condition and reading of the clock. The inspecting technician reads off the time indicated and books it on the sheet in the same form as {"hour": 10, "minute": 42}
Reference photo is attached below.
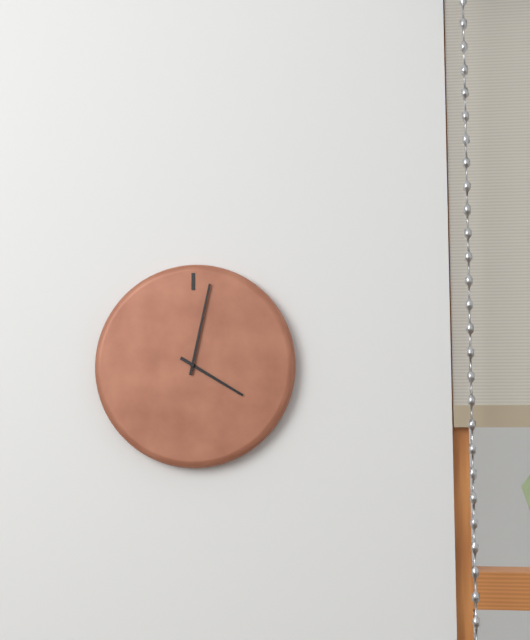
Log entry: {"hour": 4, "minute": 2}
